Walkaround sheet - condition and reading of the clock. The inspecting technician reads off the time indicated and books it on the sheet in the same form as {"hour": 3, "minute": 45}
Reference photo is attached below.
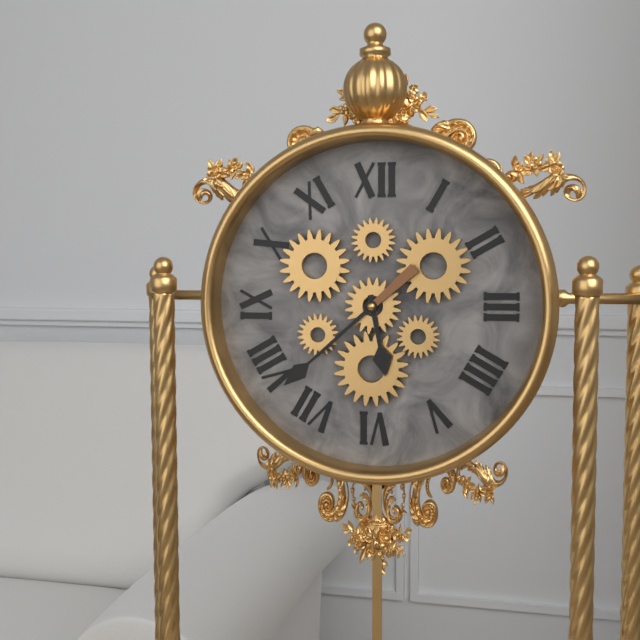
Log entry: {"hour": 5, "minute": 38}
